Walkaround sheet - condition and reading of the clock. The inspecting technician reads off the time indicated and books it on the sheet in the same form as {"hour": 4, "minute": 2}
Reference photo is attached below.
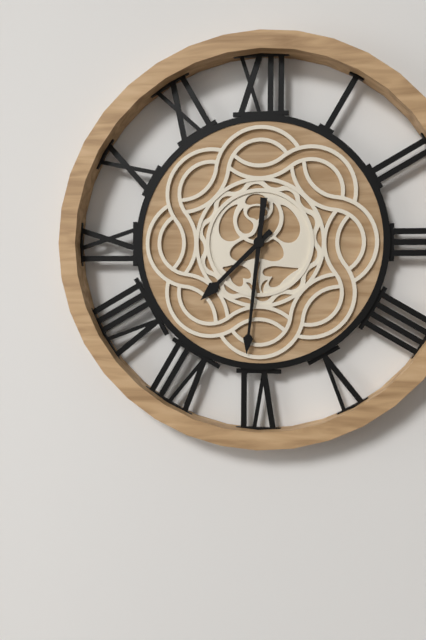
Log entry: {"hour": 7, "minute": 31}
